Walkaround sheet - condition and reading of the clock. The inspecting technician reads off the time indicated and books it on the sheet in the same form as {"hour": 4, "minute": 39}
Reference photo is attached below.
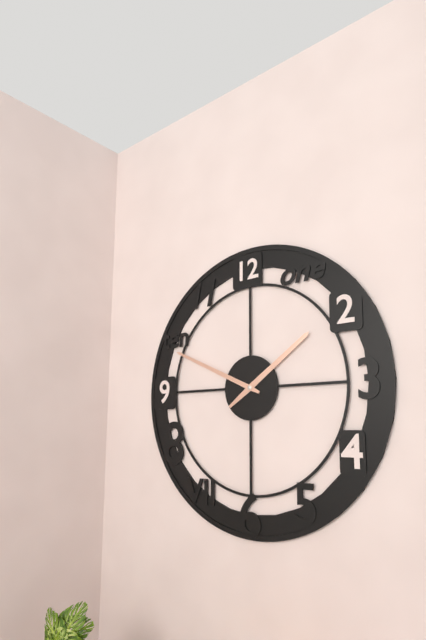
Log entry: {"hour": 1, "minute": 49}
